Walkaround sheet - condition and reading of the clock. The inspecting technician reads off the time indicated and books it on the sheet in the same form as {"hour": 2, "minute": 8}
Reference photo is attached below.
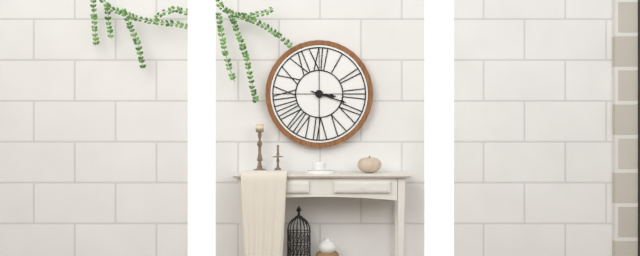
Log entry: {"hour": 3, "minute": 18}
